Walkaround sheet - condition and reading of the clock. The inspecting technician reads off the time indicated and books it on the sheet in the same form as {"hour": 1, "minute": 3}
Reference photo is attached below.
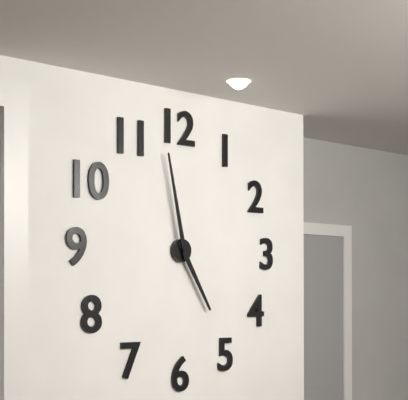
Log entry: {"hour": 4, "minute": 58}
